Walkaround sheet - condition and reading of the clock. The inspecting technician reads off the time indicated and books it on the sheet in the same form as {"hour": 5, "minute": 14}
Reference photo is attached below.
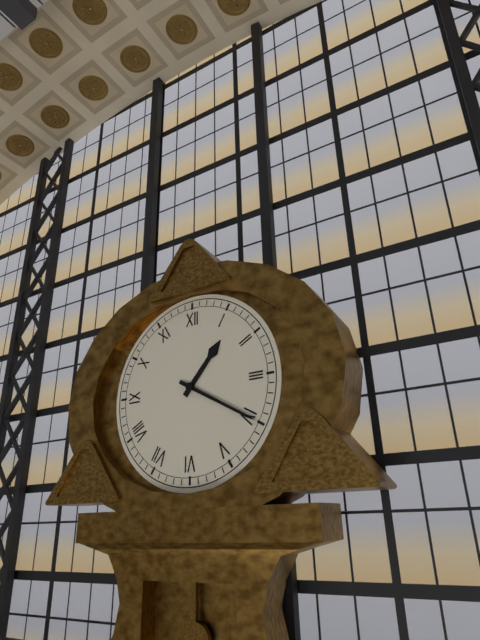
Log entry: {"hour": 1, "minute": 20}
